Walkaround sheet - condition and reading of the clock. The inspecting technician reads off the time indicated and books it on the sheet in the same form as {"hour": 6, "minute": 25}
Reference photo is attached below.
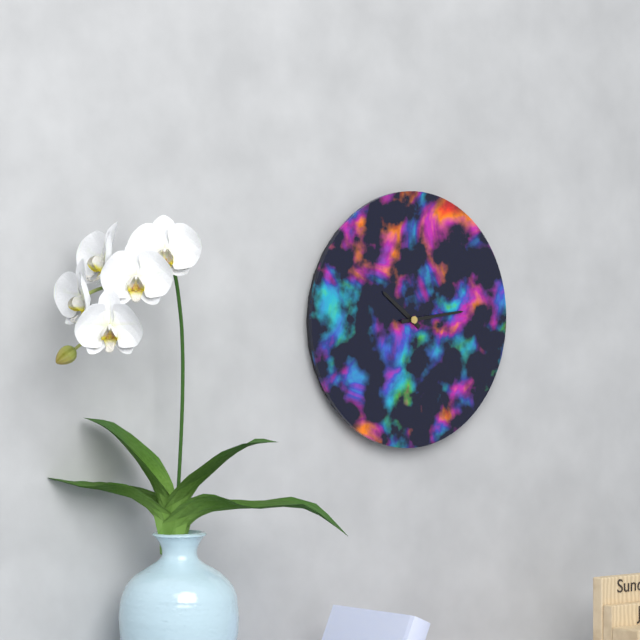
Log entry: {"hour": 10, "minute": 14}
